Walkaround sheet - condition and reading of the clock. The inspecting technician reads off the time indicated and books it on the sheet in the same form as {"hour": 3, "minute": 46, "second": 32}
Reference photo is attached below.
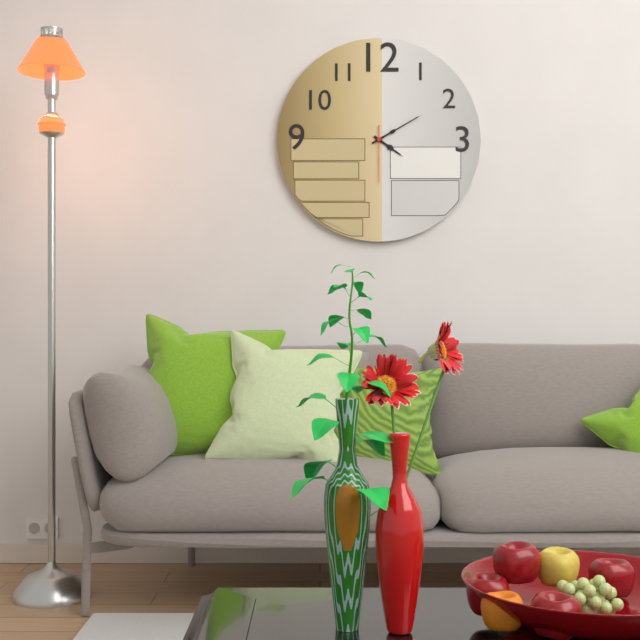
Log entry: {"hour": 4, "minute": 10, "second": 30}
